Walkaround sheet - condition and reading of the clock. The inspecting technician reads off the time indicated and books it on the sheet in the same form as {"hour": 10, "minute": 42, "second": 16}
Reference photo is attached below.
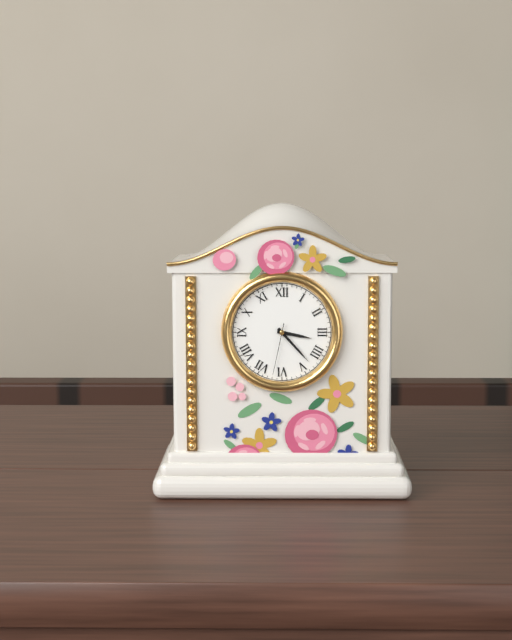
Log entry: {"hour": 3, "minute": 23, "second": 32}
